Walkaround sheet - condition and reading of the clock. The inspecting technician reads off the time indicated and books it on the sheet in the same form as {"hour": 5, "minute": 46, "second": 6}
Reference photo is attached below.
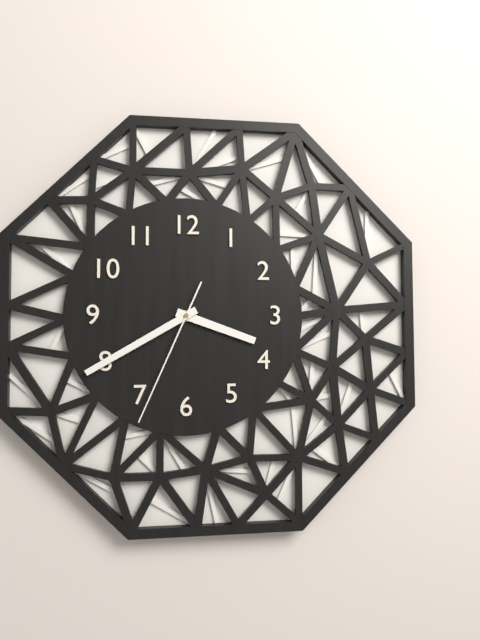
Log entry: {"hour": 3, "minute": 40, "second": 34}
